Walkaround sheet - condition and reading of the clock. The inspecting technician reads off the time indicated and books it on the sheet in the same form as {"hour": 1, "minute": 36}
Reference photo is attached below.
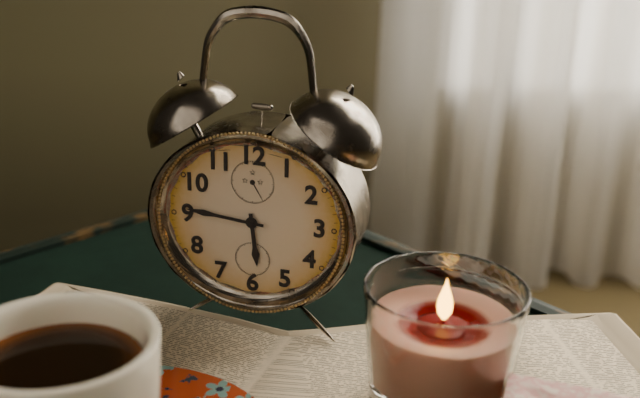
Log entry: {"hour": 5, "minute": 46}
